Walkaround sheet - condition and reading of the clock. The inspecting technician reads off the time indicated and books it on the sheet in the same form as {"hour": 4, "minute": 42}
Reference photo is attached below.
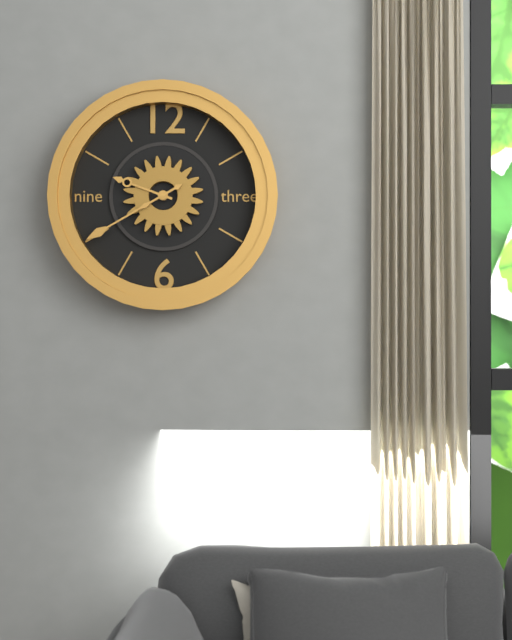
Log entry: {"hour": 9, "minute": 40}
